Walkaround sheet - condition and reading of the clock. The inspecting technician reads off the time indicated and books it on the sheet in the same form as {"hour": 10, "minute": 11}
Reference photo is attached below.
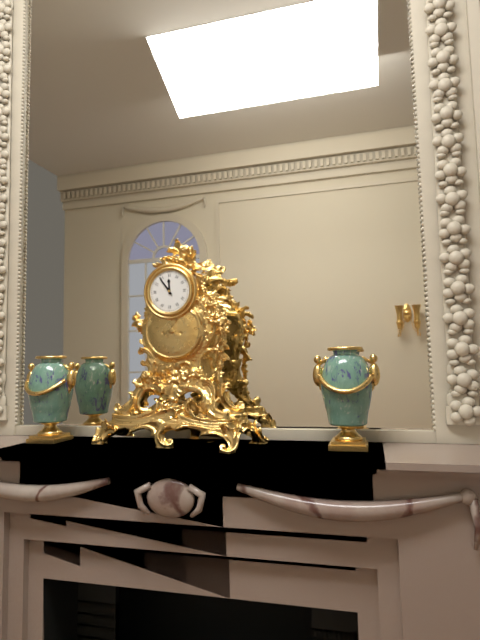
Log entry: {"hour": 11, "minute": 54}
